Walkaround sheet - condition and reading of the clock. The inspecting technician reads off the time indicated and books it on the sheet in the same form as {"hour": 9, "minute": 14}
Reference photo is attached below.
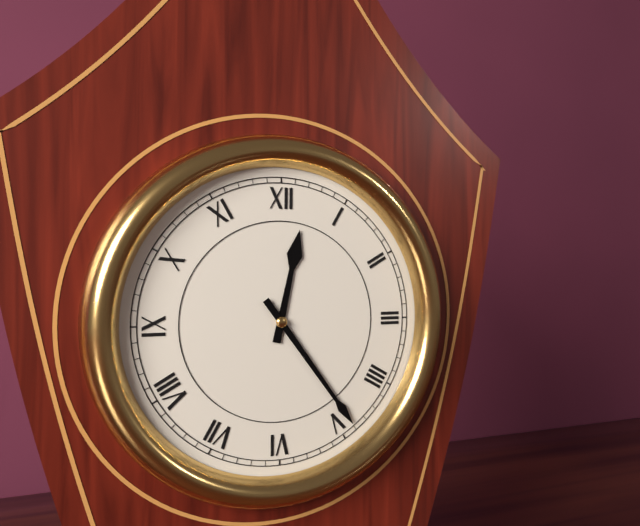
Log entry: {"hour": 12, "minute": 24}
